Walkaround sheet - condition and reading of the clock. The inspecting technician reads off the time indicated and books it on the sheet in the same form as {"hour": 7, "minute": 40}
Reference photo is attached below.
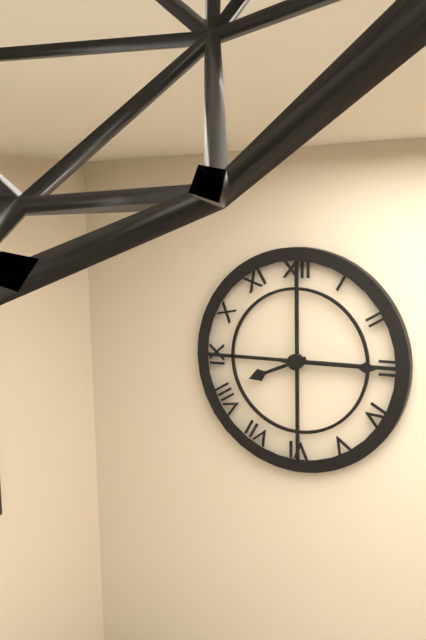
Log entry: {"hour": 8, "minute": 15}
